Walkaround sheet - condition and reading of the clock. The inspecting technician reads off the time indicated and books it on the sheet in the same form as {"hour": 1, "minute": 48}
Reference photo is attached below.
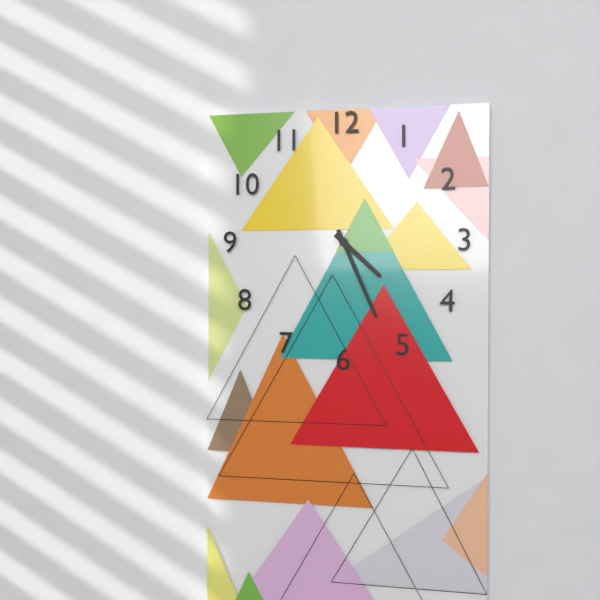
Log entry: {"hour": 4, "minute": 26}
